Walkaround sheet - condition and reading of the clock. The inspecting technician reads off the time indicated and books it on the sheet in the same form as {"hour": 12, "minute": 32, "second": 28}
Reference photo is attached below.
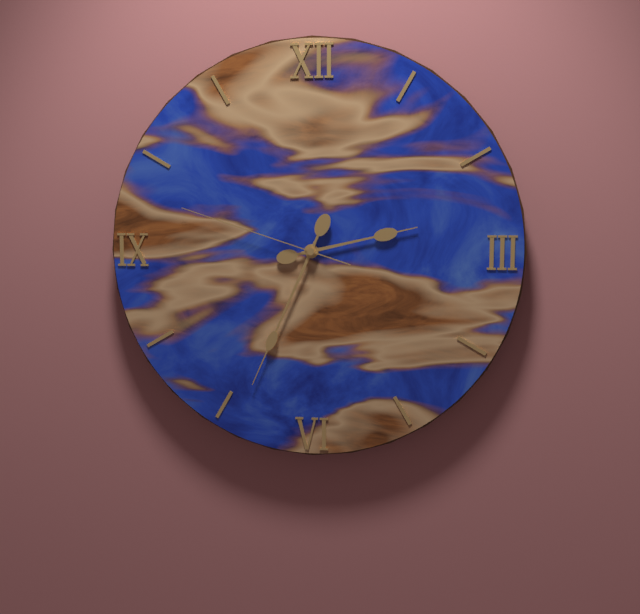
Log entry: {"hour": 2, "minute": 34, "second": 48}
